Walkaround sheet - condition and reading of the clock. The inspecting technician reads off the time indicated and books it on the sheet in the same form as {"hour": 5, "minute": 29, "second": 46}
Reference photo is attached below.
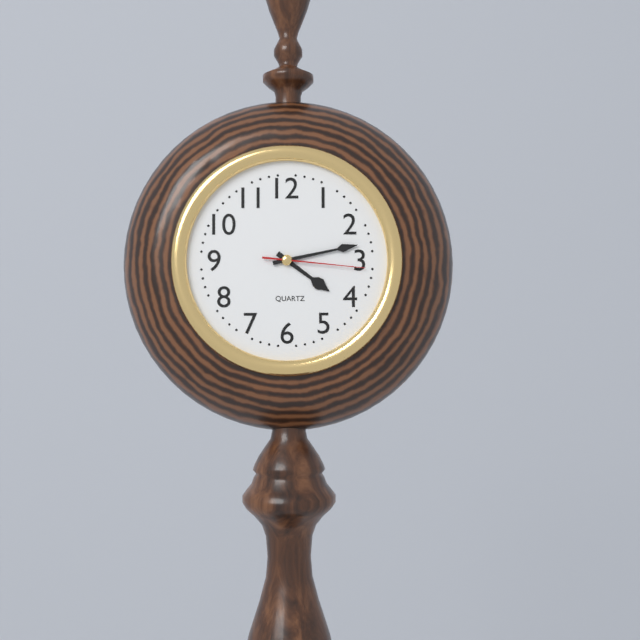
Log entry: {"hour": 4, "minute": 13, "second": 16}
